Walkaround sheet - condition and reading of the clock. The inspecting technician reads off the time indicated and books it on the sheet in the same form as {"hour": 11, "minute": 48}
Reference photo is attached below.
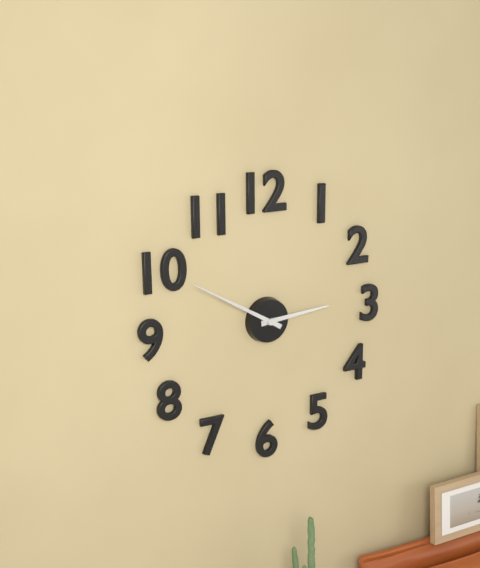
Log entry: {"hour": 2, "minute": 50}
